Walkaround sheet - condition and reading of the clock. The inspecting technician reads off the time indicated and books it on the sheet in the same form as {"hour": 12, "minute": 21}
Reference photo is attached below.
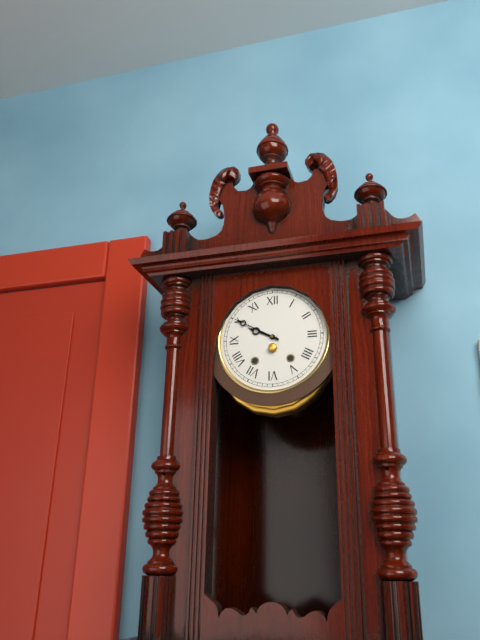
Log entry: {"hour": 9, "minute": 50}
